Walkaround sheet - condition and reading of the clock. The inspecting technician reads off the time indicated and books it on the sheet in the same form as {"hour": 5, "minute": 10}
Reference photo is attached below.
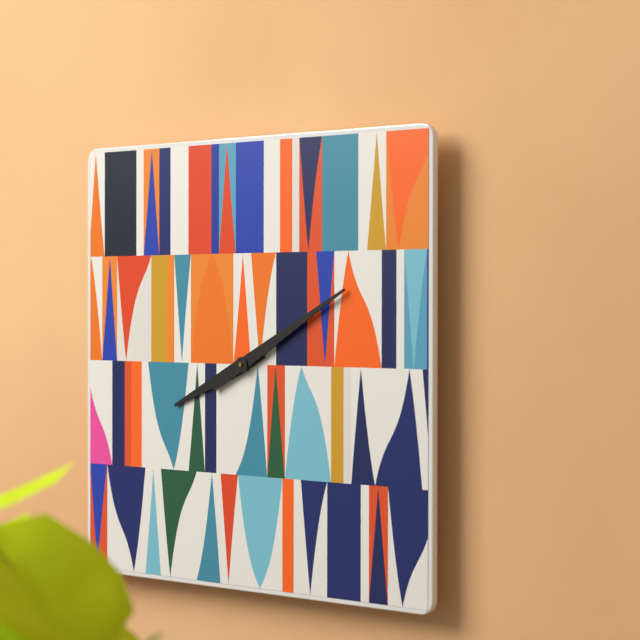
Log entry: {"hour": 8, "minute": 10}
